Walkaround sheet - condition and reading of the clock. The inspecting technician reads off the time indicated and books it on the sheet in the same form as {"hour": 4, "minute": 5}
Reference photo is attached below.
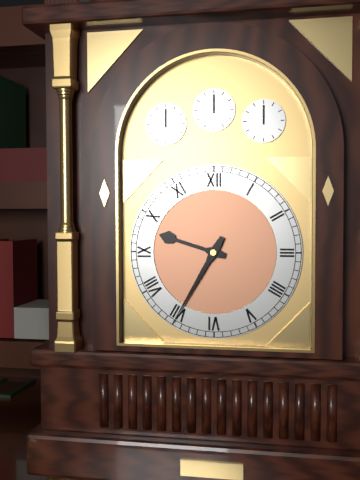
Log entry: {"hour": 9, "minute": 35}
